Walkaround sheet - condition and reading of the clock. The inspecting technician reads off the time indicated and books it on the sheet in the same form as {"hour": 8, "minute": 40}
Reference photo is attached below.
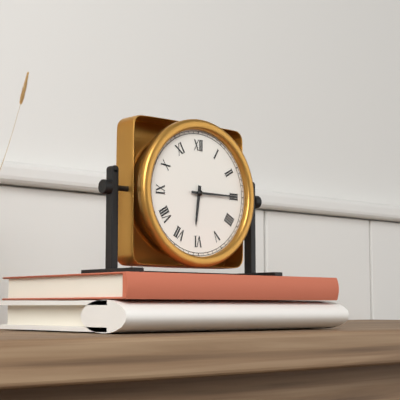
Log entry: {"hour": 6, "minute": 15}
